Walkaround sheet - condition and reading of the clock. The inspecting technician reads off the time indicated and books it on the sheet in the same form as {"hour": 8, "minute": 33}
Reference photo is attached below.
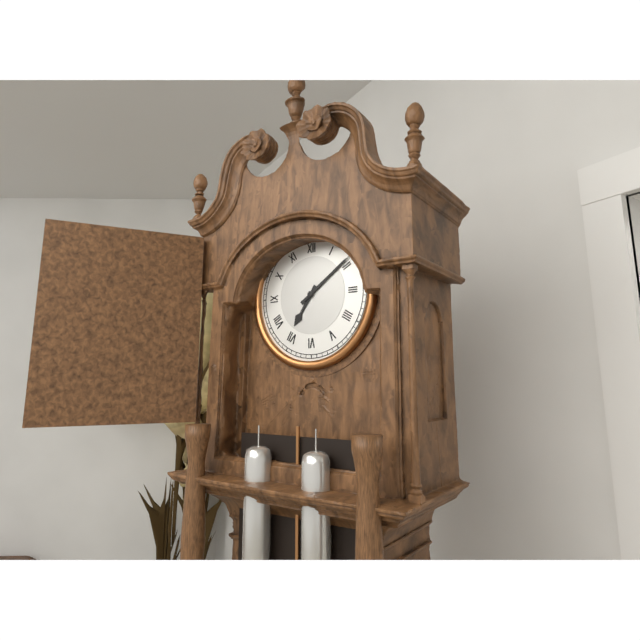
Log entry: {"hour": 7, "minute": 9}
